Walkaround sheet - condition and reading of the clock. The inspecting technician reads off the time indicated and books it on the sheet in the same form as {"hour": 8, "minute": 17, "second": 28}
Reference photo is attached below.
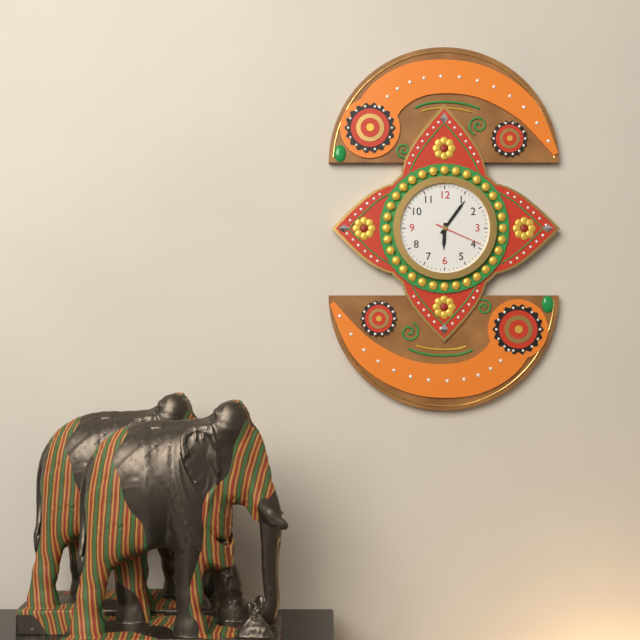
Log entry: {"hour": 6, "minute": 6, "second": 19}
